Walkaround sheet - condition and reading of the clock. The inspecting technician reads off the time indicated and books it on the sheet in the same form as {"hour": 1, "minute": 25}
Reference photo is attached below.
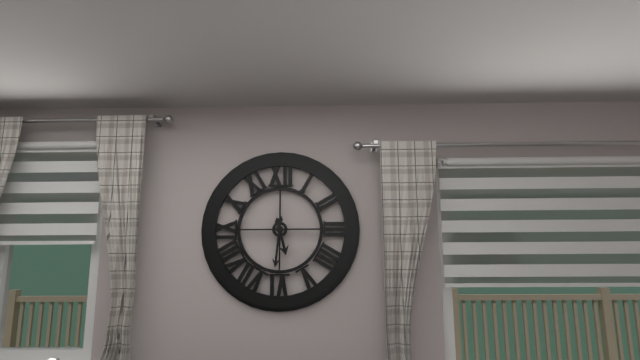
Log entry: {"hour": 5, "minute": 31}
